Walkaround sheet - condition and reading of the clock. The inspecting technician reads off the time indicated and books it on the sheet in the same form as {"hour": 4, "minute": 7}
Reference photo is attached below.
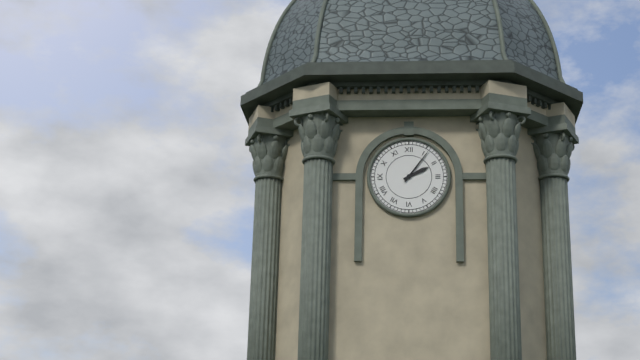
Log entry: {"hour": 2, "minute": 6}
